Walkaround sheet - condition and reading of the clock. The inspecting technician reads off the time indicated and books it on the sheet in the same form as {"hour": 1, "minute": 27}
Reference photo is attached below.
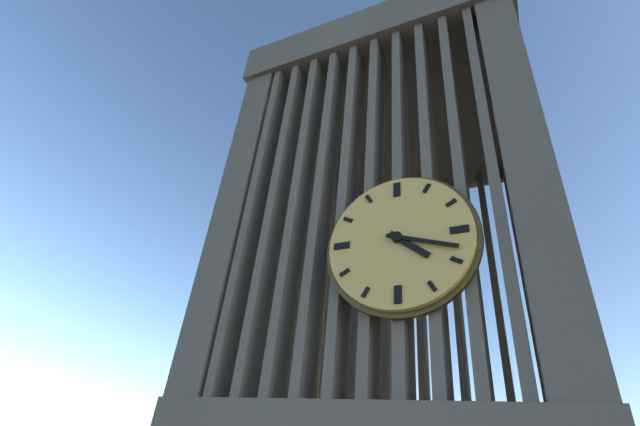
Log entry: {"hour": 4, "minute": 18}
